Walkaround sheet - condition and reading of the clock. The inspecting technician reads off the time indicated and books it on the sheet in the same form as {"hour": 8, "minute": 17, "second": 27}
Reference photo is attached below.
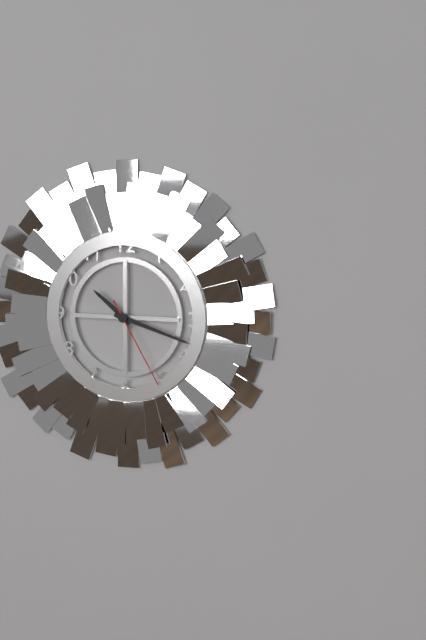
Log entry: {"hour": 10, "minute": 18, "second": 25}
